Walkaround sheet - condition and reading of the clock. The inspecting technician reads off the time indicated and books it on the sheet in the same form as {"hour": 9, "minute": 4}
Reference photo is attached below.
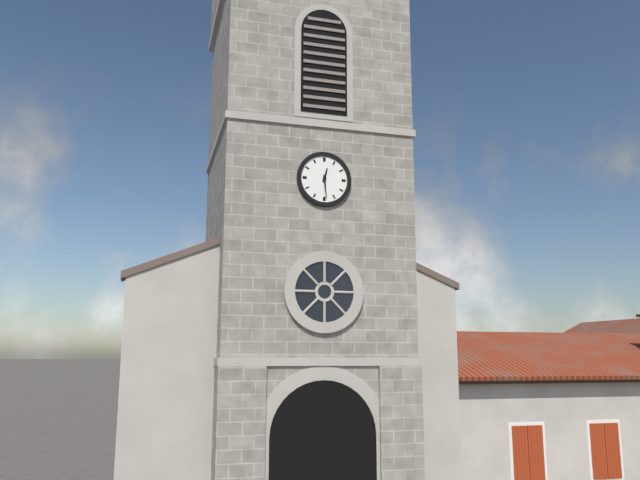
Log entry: {"hour": 12, "minute": 29}
